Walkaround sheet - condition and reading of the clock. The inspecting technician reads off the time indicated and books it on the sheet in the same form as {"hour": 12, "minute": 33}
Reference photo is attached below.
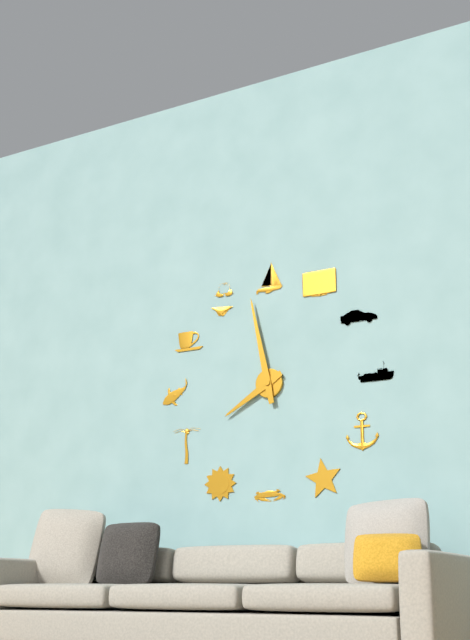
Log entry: {"hour": 7, "minute": 58}
